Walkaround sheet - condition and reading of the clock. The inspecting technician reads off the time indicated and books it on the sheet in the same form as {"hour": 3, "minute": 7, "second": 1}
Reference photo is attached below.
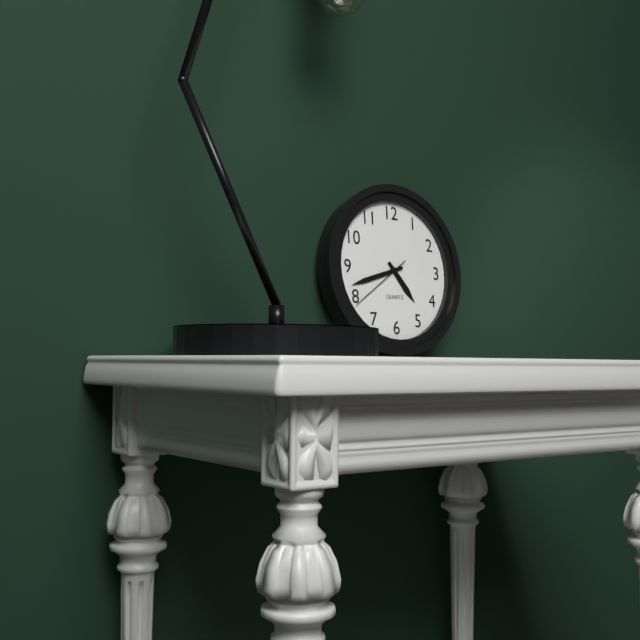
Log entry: {"hour": 4, "minute": 42, "second": 39}
